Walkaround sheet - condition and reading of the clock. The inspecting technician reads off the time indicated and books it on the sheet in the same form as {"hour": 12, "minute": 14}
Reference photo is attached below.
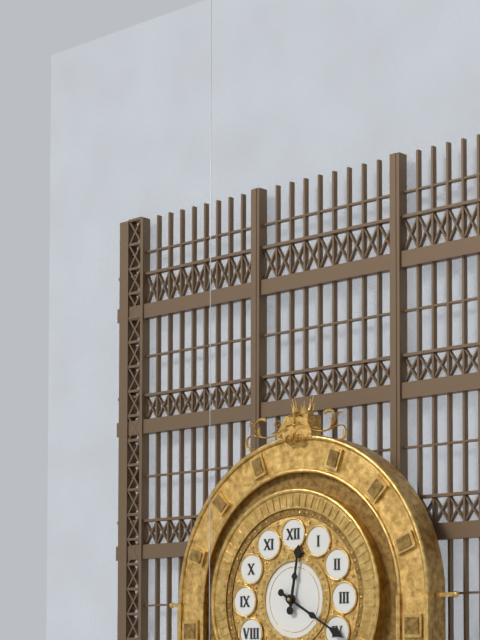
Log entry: {"hour": 12, "minute": 20}
